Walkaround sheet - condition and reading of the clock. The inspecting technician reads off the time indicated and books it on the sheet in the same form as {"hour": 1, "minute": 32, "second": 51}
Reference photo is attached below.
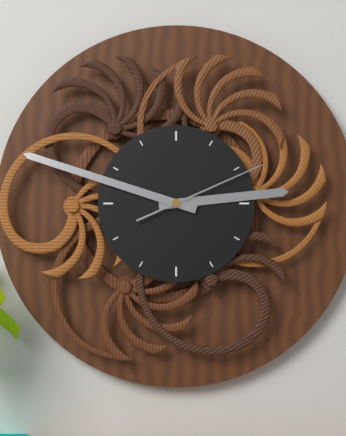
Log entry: {"hour": 2, "minute": 48, "second": 11}
